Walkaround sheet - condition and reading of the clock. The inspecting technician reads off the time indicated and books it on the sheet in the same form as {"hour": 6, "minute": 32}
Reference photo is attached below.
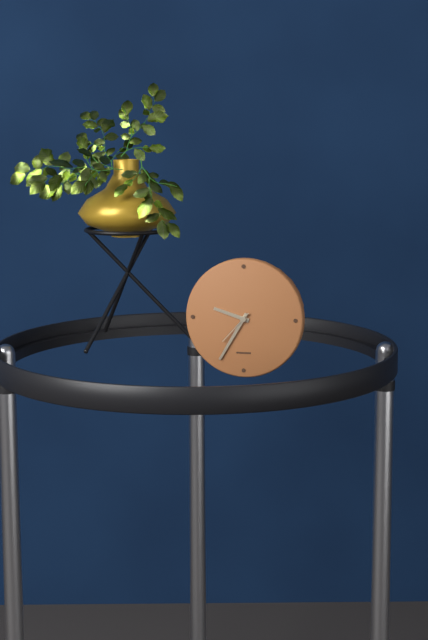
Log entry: {"hour": 9, "minute": 35}
